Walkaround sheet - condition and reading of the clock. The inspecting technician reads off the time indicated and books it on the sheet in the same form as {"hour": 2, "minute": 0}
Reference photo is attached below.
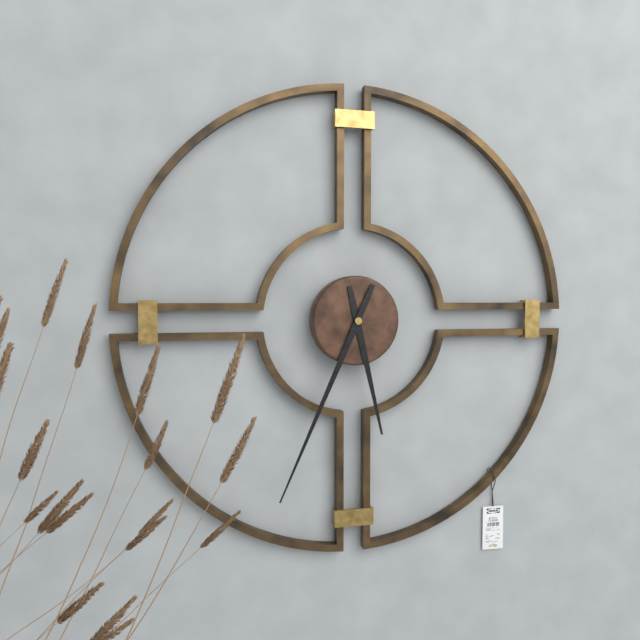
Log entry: {"hour": 5, "minute": 34}
